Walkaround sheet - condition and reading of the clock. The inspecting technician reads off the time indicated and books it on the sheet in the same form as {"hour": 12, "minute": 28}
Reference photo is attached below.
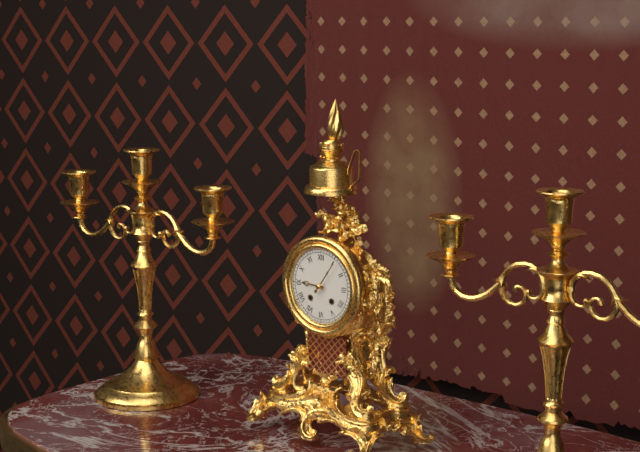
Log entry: {"hour": 9, "minute": 6}
